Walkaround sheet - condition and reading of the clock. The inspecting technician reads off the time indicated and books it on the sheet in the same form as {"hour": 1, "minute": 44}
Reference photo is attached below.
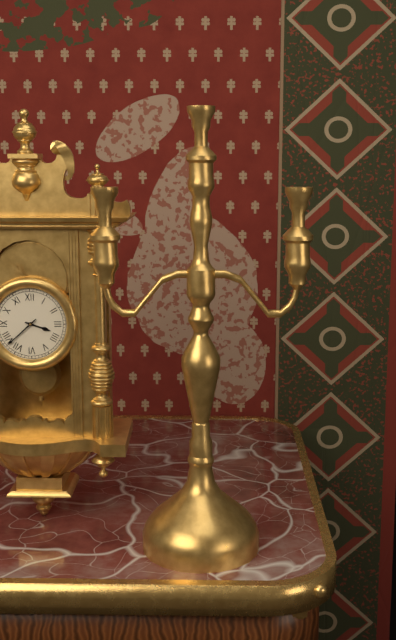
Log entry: {"hour": 3, "minute": 38}
